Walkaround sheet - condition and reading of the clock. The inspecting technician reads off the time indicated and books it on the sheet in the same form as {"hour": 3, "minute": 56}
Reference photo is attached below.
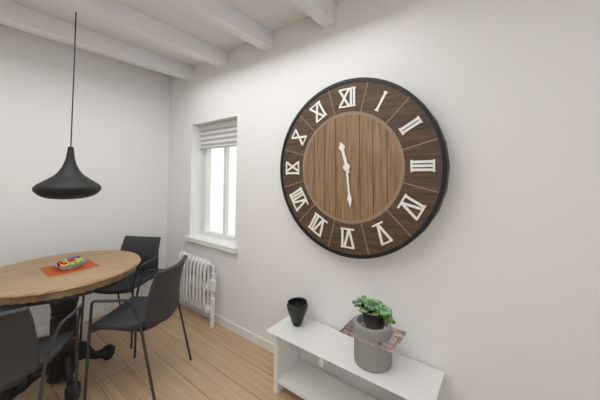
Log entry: {"hour": 11, "minute": 29}
